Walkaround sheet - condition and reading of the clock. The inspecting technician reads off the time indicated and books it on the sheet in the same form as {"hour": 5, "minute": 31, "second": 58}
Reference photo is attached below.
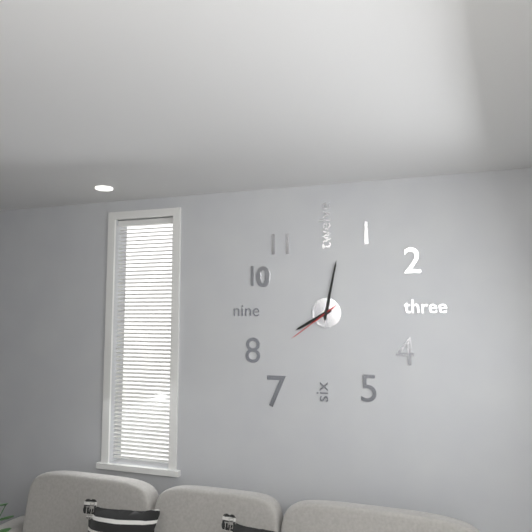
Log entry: {"hour": 8, "minute": 2, "second": 39}
